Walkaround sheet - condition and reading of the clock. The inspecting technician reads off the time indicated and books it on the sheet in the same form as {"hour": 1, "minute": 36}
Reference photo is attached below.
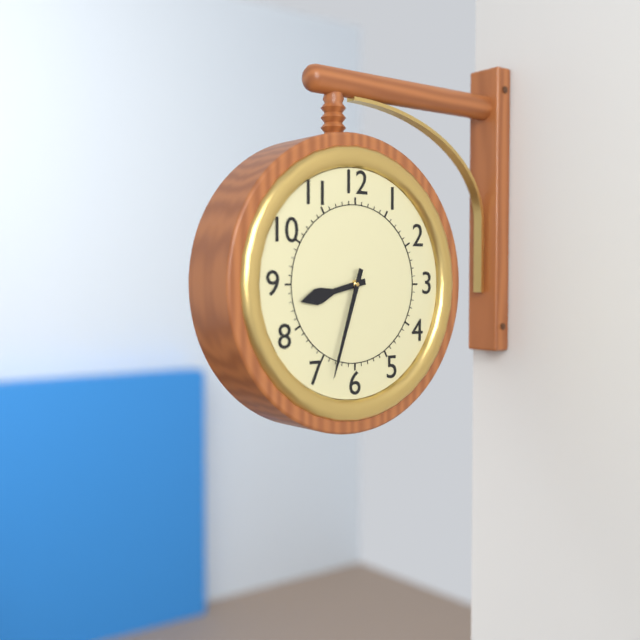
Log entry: {"hour": 8, "minute": 33}
